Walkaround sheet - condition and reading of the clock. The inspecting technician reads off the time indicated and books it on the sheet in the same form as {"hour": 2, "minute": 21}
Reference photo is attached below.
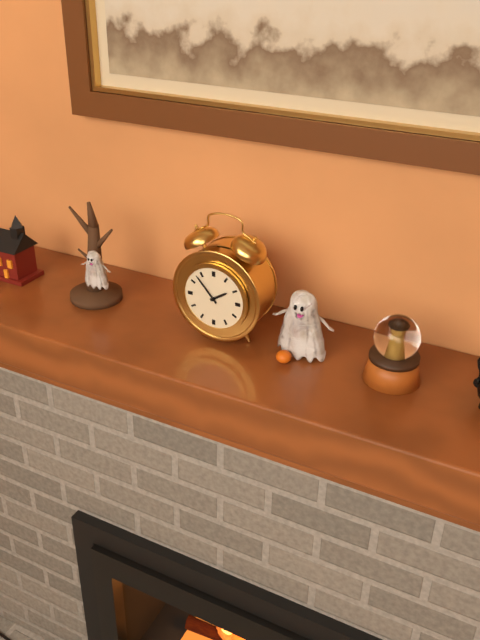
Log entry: {"hour": 1, "minute": 53}
